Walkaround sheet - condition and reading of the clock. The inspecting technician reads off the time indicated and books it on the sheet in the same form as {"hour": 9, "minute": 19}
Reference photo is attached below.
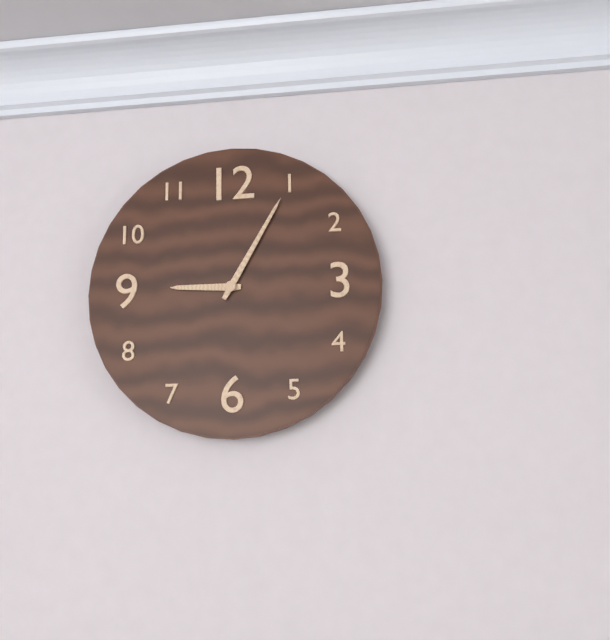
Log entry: {"hour": 9, "minute": 5}
